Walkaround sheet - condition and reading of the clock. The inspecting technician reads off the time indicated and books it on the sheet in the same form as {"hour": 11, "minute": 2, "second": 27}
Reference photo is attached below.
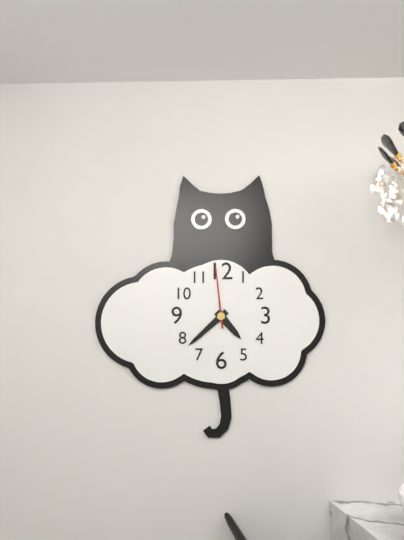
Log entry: {"hour": 4, "minute": 38, "second": 59}
